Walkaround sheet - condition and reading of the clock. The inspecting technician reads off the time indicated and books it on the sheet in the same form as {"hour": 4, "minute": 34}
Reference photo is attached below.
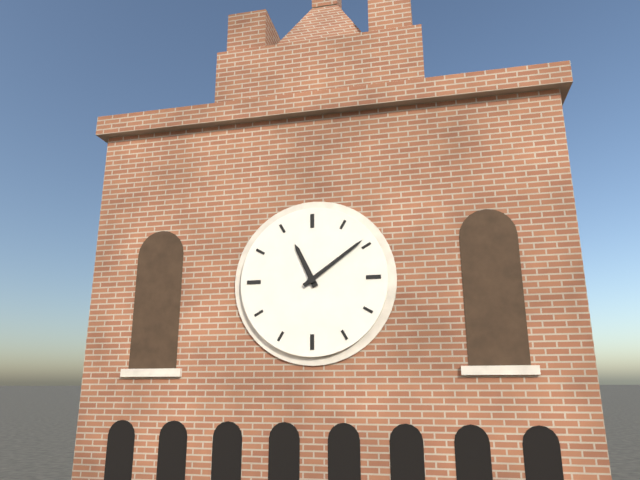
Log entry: {"hour": 11, "minute": 9}
